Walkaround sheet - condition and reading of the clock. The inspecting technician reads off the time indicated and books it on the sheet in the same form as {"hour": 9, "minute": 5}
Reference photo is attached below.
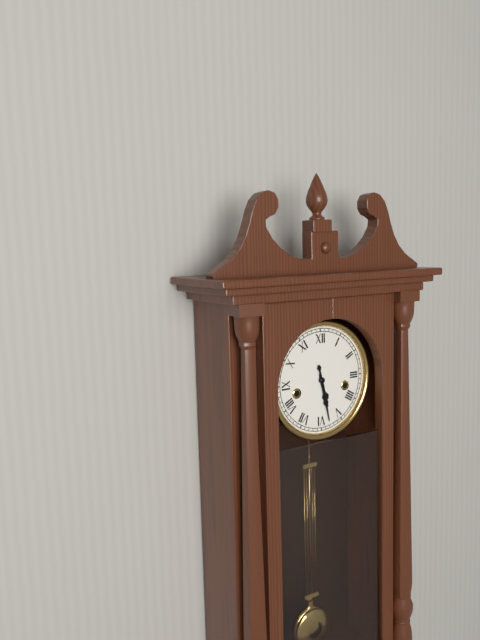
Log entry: {"hour": 5, "minute": 28}
